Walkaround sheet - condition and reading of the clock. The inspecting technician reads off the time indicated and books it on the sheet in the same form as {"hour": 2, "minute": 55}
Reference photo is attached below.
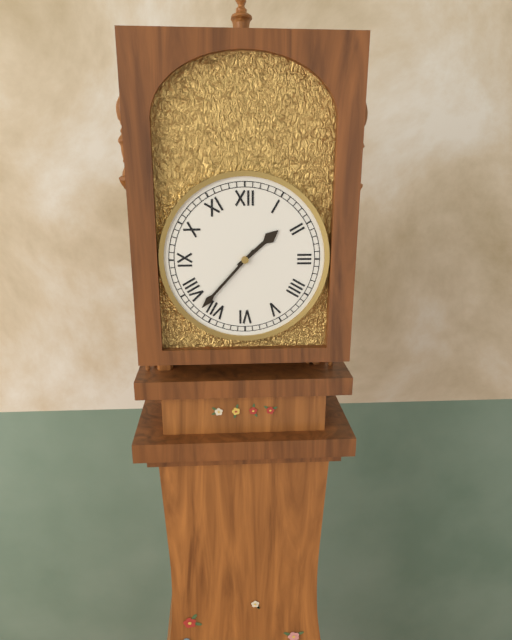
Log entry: {"hour": 1, "minute": 37}
